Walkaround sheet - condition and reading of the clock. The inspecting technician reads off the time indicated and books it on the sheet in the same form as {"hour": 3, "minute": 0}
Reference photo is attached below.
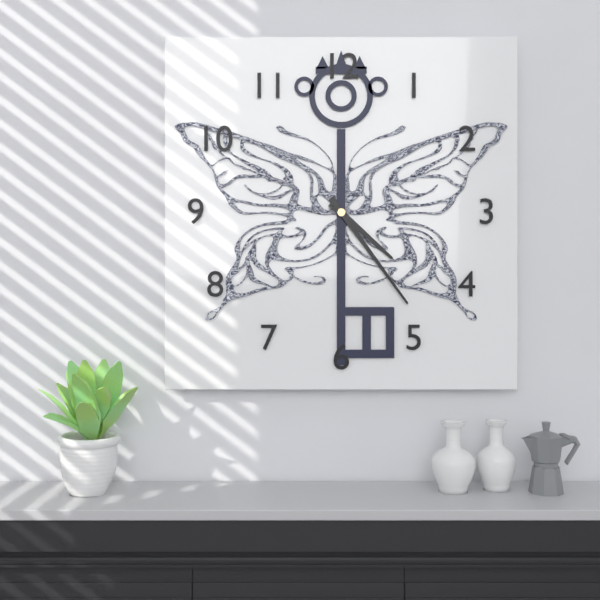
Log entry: {"hour": 4, "minute": 24}
